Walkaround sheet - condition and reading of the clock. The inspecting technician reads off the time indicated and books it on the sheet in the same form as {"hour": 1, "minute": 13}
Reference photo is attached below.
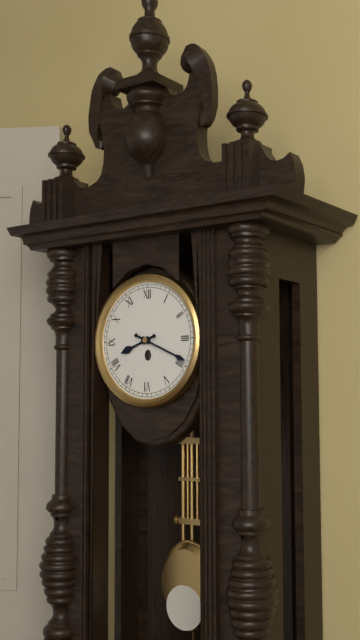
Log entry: {"hour": 8, "minute": 19}
